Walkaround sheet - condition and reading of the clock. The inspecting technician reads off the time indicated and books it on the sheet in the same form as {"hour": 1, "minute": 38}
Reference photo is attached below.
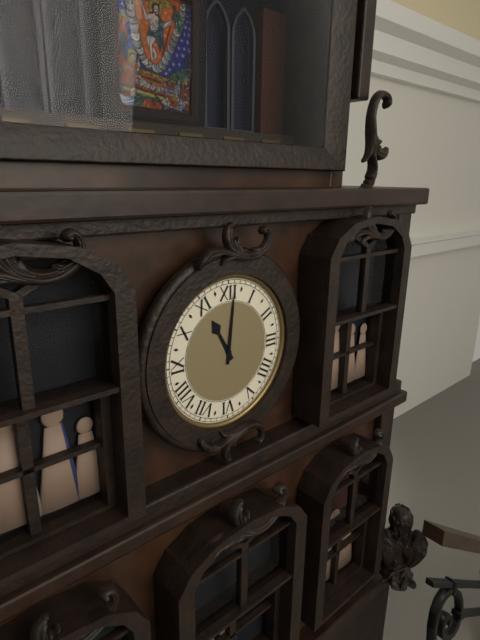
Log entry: {"hour": 11, "minute": 1}
